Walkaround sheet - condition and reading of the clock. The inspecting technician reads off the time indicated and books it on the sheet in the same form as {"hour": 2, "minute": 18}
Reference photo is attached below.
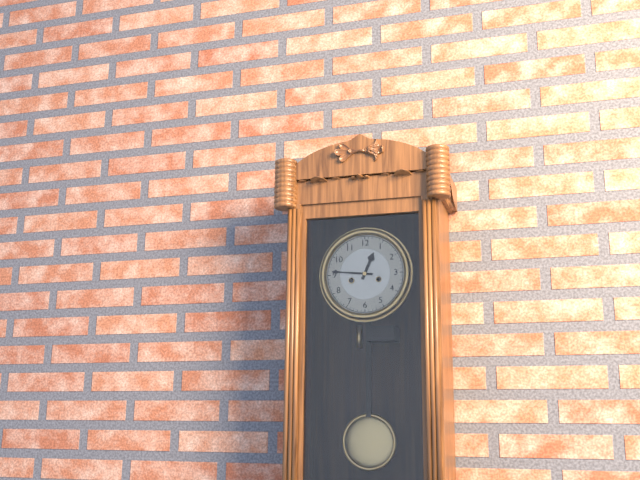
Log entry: {"hour": 12, "minute": 46}
